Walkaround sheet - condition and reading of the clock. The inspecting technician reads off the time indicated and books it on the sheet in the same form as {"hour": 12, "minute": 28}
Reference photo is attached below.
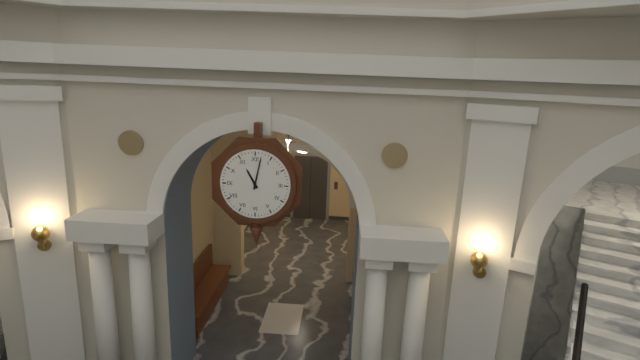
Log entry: {"hour": 11, "minute": 2}
